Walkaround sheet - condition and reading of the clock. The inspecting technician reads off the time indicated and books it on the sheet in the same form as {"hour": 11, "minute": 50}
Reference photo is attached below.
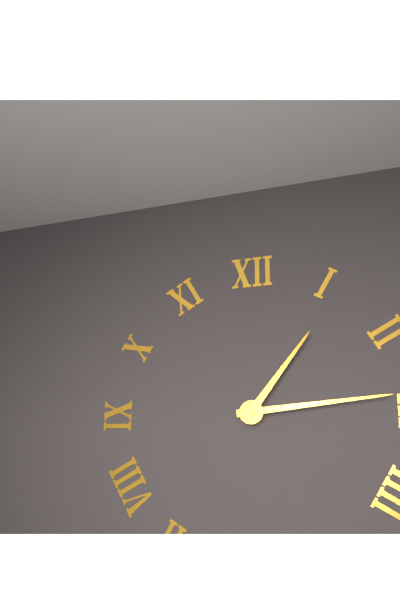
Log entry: {"hour": 1, "minute": 14}
